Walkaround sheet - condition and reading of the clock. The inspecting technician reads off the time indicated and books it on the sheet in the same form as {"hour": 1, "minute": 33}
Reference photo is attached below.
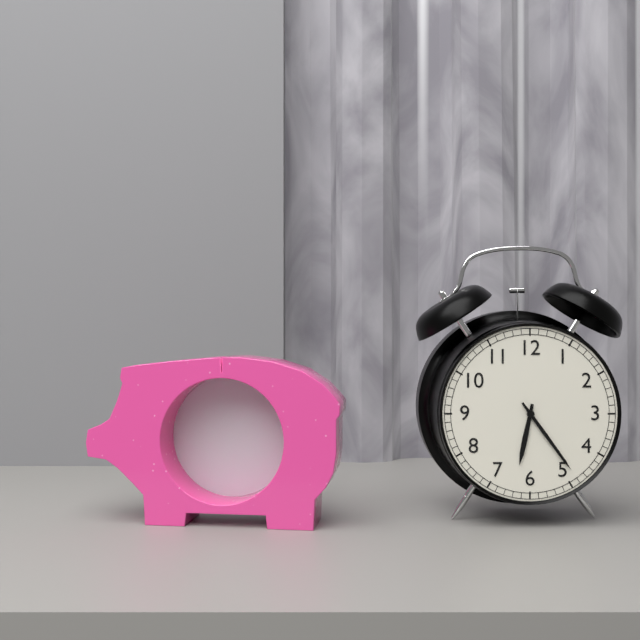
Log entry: {"hour": 6, "minute": 24}
